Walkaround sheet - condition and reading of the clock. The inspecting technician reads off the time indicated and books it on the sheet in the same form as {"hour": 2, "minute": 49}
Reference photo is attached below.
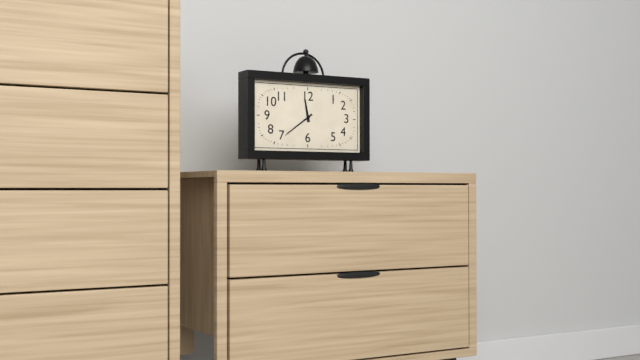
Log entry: {"hour": 11, "minute": 39}
